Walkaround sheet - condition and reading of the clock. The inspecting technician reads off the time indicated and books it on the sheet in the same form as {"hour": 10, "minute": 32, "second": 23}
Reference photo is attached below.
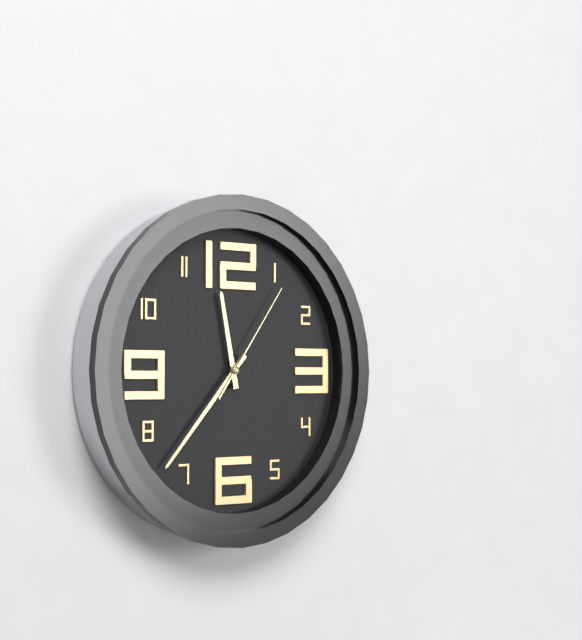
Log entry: {"hour": 11, "minute": 37, "second": 6}
